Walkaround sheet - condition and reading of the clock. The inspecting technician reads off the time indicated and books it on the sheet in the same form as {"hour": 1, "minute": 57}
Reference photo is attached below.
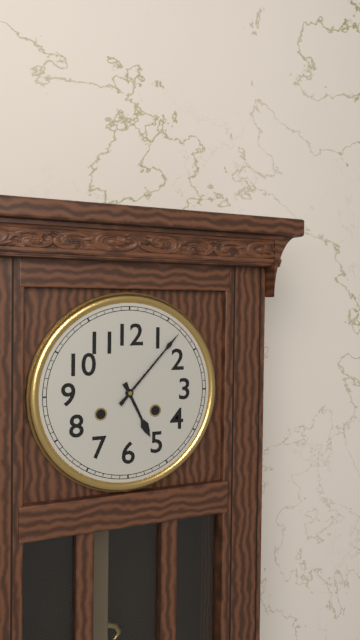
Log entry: {"hour": 5, "minute": 7}
